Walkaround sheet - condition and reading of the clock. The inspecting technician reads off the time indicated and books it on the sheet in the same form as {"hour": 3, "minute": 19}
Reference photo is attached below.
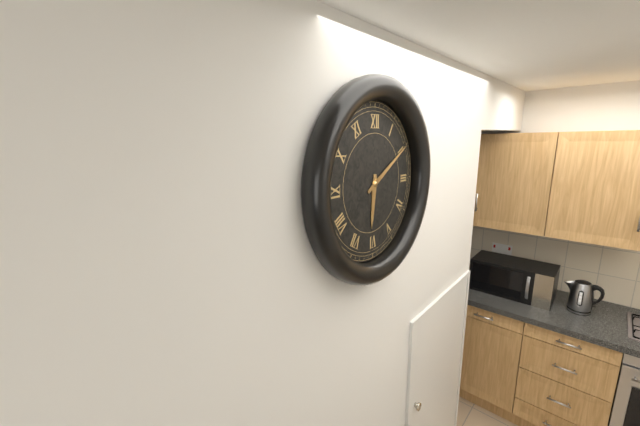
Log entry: {"hour": 6, "minute": 10}
